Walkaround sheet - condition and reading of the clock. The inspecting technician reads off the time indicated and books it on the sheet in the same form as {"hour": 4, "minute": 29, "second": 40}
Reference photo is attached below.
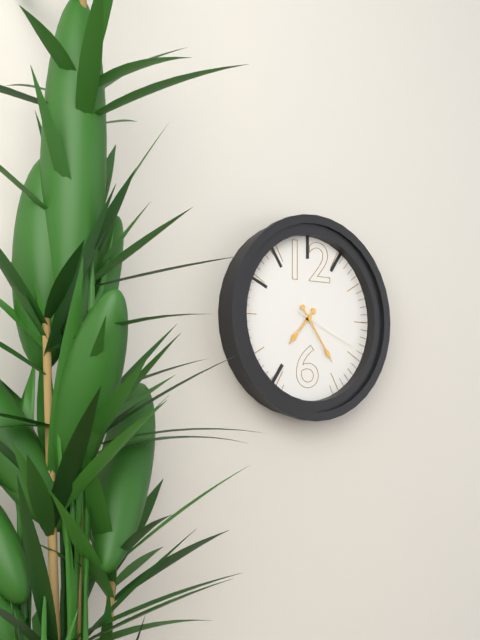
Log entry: {"hour": 7, "minute": 24, "second": 19}
